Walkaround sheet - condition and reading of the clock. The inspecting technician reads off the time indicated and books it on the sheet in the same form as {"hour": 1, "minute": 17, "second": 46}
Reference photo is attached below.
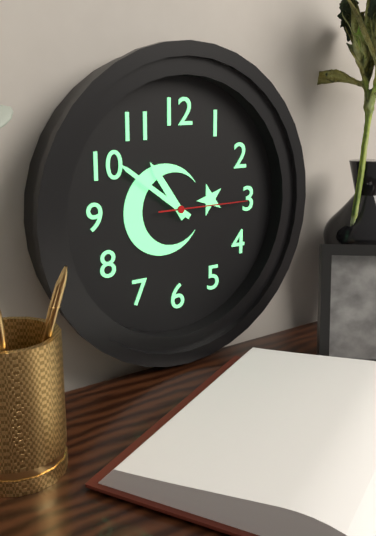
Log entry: {"hour": 10, "minute": 51, "second": 15}
